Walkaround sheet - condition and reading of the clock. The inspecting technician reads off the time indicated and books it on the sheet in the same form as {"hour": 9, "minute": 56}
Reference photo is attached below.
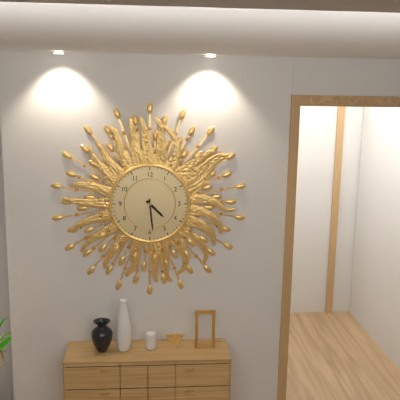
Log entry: {"hour": 4, "minute": 29}
